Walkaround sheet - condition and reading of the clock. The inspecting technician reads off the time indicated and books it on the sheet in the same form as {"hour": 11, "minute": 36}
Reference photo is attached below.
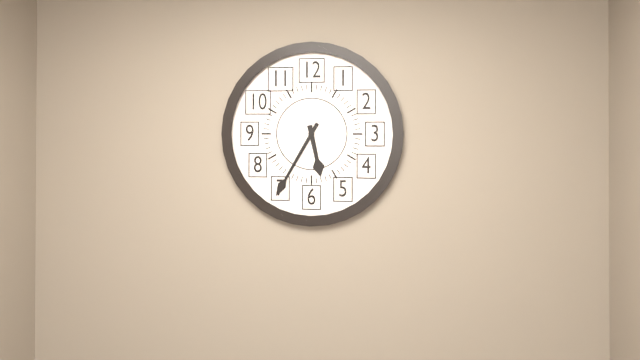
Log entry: {"hour": 5, "minute": 35}
